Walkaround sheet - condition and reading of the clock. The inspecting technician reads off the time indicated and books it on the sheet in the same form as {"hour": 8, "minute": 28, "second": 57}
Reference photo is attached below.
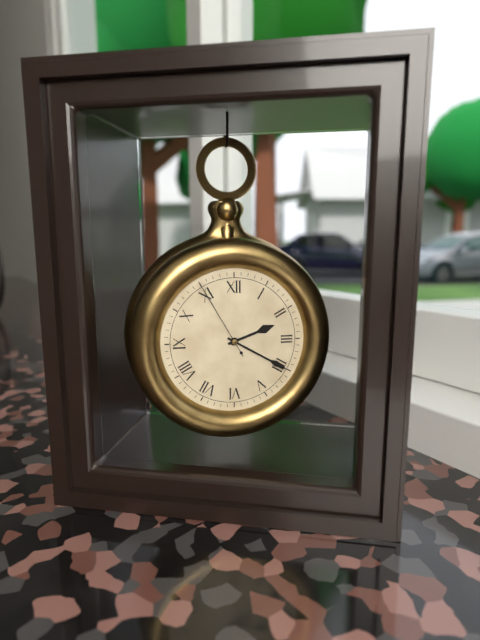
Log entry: {"hour": 2, "minute": 20, "second": 55}
